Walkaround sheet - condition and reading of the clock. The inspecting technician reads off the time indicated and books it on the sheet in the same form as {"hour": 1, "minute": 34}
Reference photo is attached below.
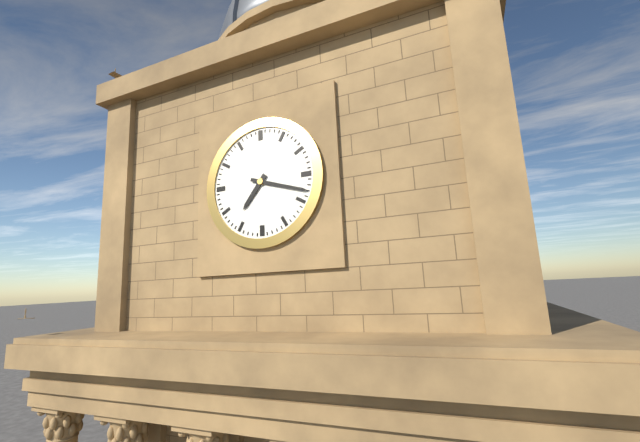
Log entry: {"hour": 7, "minute": 18}
